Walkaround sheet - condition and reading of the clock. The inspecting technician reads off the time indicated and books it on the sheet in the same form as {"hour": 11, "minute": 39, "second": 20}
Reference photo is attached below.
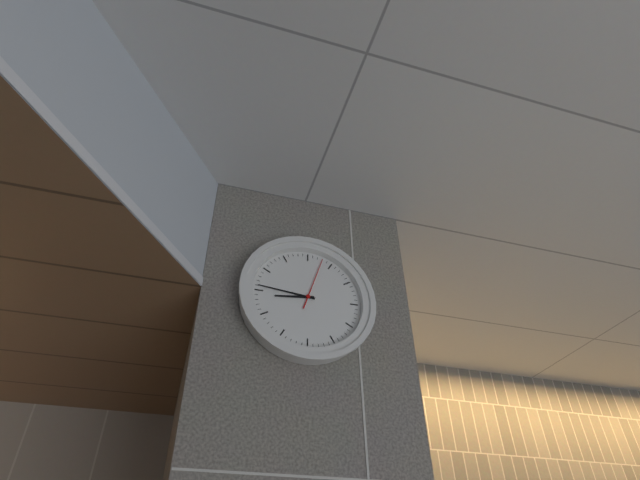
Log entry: {"hour": 8, "minute": 46, "second": 3}
